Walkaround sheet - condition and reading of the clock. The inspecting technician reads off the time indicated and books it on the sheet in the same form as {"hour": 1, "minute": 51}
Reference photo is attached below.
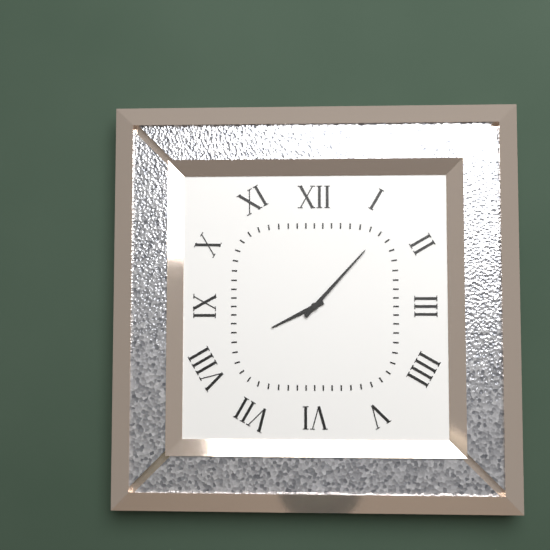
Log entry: {"hour": 8, "minute": 7}
